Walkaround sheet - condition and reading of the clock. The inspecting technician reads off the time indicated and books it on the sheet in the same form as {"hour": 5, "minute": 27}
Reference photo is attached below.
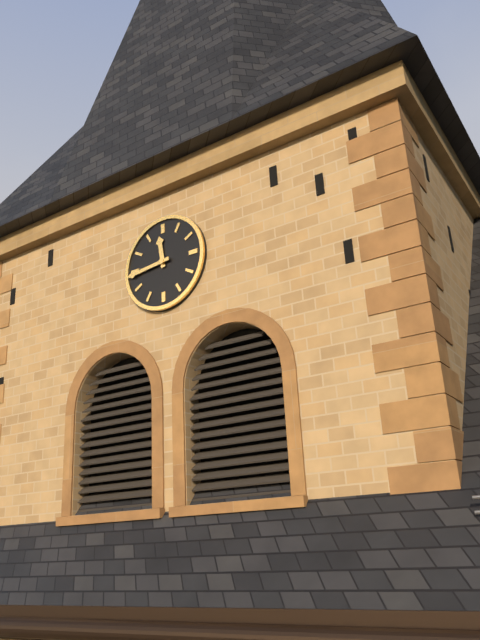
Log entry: {"hour": 11, "minute": 44}
